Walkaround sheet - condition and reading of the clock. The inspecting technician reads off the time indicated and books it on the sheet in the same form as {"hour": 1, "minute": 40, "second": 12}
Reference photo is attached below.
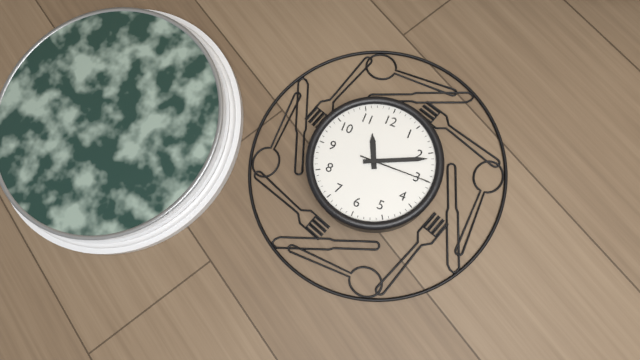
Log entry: {"hour": 11, "minute": 11, "second": 15}
